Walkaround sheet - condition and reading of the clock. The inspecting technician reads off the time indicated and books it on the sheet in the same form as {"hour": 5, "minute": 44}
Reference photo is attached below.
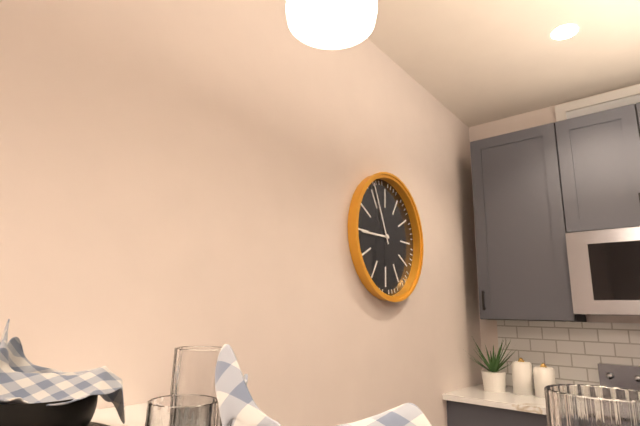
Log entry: {"hour": 8, "minute": 56}
